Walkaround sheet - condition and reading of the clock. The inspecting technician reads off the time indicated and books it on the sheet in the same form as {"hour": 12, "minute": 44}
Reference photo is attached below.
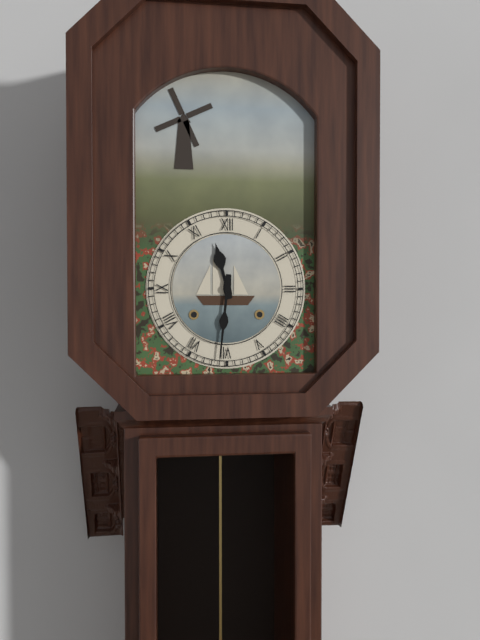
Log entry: {"hour": 11, "minute": 31}
